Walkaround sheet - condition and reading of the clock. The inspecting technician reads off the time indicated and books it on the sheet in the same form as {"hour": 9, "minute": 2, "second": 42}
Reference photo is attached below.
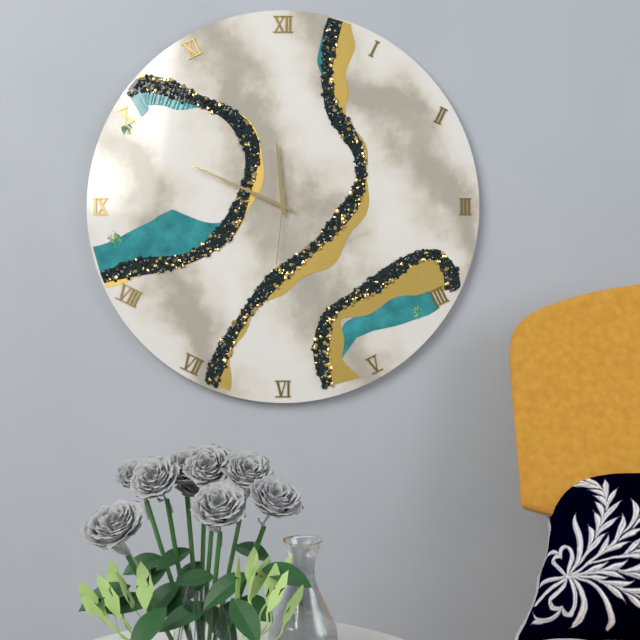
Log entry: {"hour": 11, "minute": 49, "second": 31}
